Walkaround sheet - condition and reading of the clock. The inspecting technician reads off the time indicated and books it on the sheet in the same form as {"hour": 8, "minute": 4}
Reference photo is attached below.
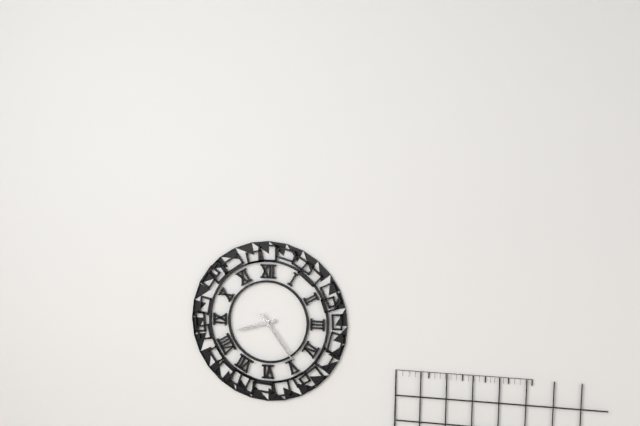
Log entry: {"hour": 8, "minute": 24}
